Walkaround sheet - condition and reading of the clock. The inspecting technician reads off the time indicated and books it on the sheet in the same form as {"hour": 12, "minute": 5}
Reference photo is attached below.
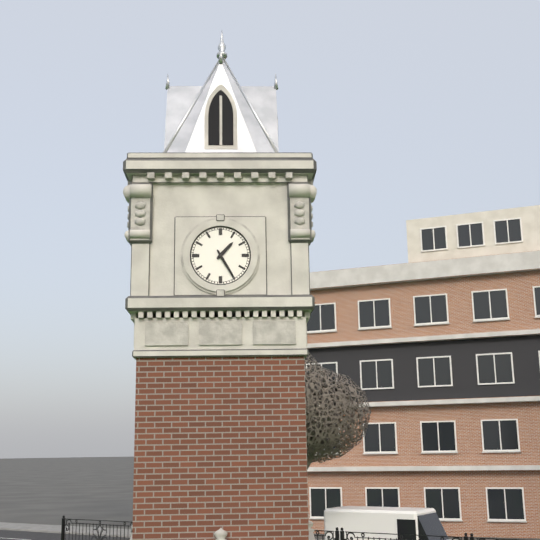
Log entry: {"hour": 1, "minute": 25}
